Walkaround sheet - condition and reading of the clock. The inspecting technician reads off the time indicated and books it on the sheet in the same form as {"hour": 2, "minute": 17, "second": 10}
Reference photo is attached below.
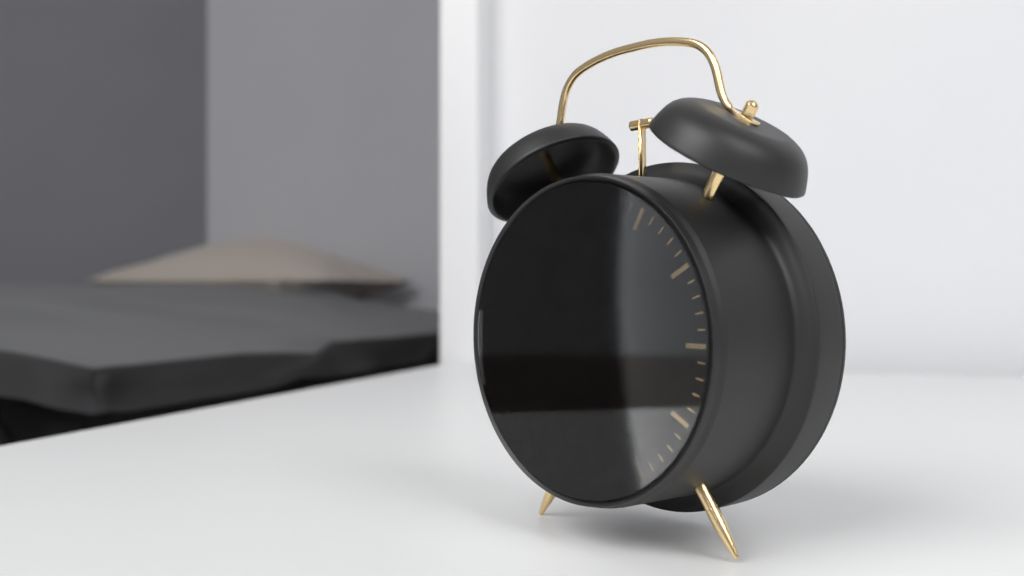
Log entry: {"hour": 7, "minute": 54, "second": 36}
